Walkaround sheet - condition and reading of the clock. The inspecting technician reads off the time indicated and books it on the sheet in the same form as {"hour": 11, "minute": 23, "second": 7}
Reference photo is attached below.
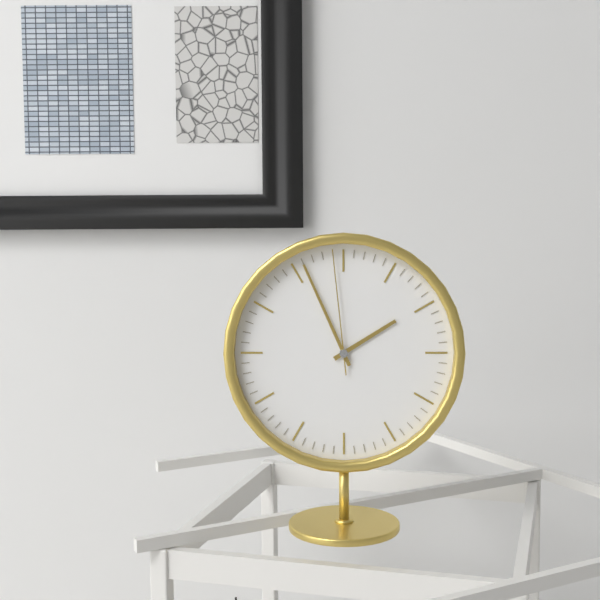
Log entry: {"hour": 1, "minute": 56, "second": 59}
